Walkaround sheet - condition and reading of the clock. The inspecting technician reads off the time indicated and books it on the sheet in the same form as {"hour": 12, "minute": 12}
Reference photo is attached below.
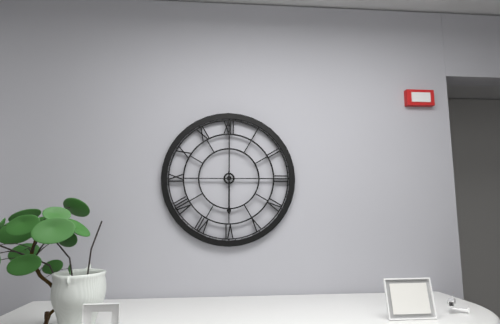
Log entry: {"hour": 6, "minute": 0}
